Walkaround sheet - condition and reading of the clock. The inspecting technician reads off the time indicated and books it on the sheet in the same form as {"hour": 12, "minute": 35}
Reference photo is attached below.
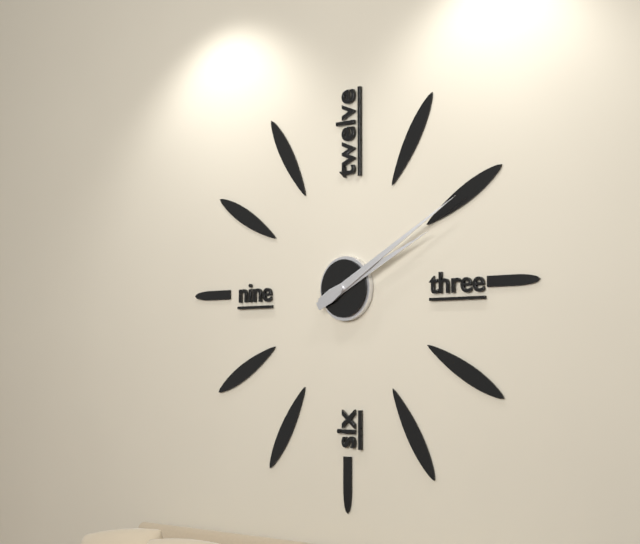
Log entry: {"hour": 2, "minute": 10}
